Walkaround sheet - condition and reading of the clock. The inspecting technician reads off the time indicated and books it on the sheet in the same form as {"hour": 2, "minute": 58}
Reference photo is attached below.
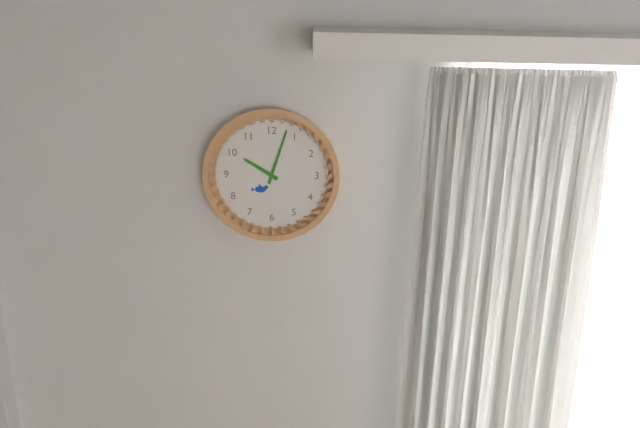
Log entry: {"hour": 10, "minute": 3}
